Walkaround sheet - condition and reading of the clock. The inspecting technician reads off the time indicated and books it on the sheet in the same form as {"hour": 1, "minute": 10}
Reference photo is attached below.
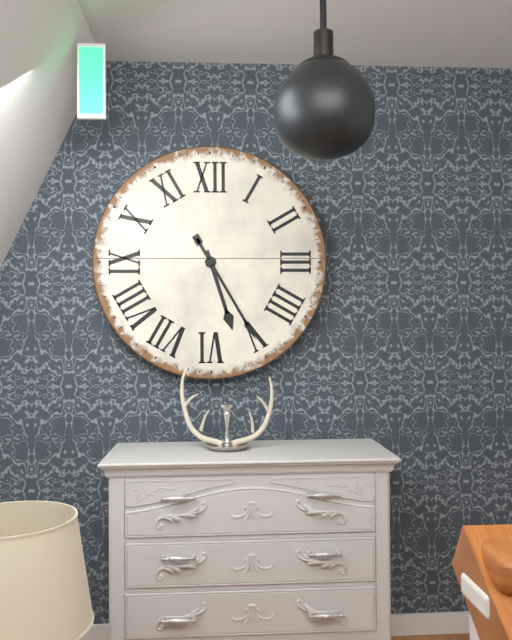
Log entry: {"hour": 5, "minute": 25}
